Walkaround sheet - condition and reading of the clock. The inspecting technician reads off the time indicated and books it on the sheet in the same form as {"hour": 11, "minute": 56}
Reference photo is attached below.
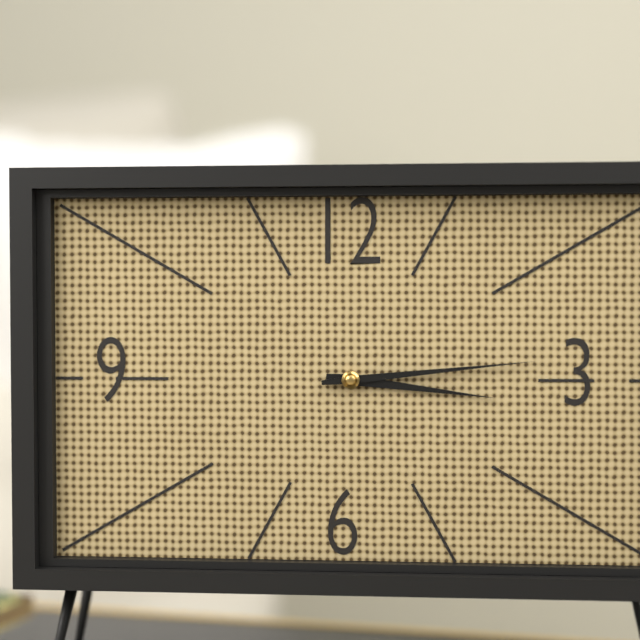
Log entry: {"hour": 3, "minute": 14}
